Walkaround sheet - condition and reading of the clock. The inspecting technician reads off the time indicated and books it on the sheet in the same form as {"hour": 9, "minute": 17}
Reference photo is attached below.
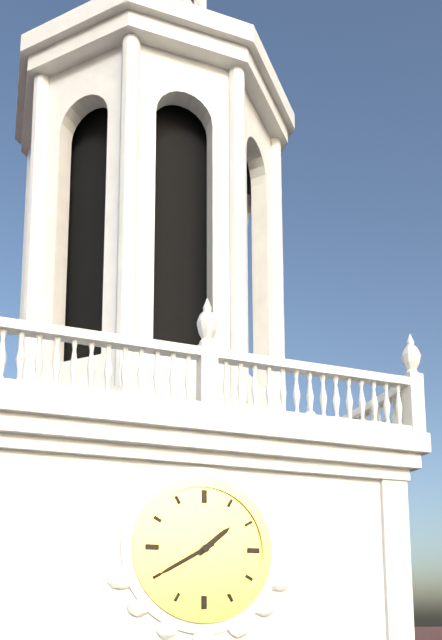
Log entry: {"hour": 1, "minute": 40}
